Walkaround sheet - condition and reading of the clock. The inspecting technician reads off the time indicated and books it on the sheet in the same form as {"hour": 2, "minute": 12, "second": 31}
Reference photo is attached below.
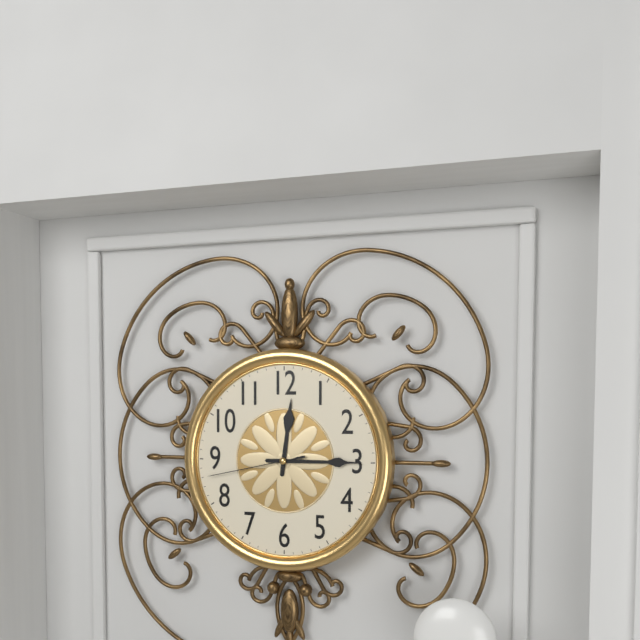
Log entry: {"hour": 12, "minute": 15, "second": 43}
